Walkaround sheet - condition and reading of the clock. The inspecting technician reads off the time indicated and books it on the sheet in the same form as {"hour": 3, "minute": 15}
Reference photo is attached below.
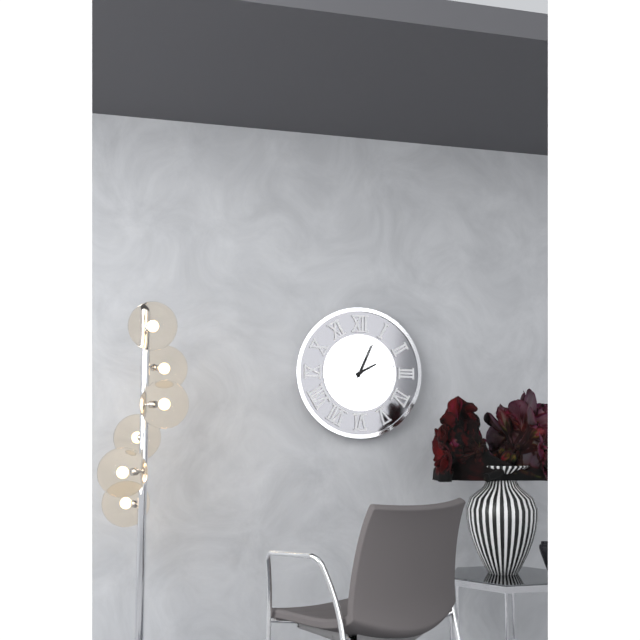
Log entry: {"hour": 2, "minute": 4}
